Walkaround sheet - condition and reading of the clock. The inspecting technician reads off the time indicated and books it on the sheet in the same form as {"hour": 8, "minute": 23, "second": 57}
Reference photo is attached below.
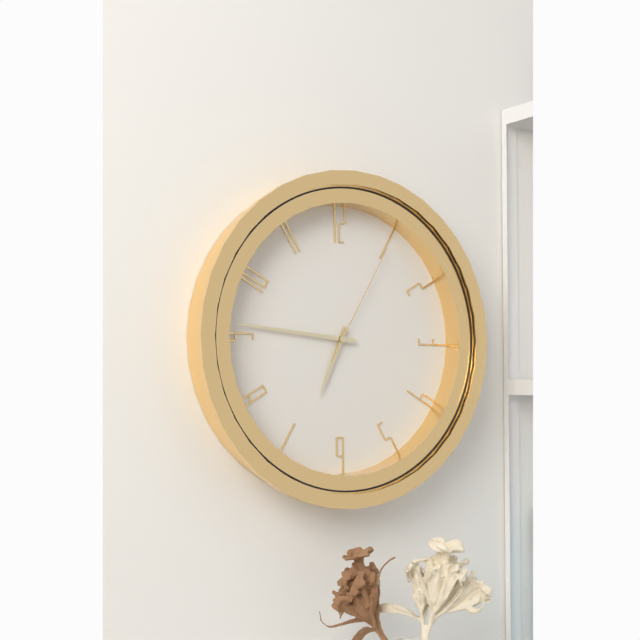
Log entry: {"hour": 6, "minute": 46, "second": 5}
